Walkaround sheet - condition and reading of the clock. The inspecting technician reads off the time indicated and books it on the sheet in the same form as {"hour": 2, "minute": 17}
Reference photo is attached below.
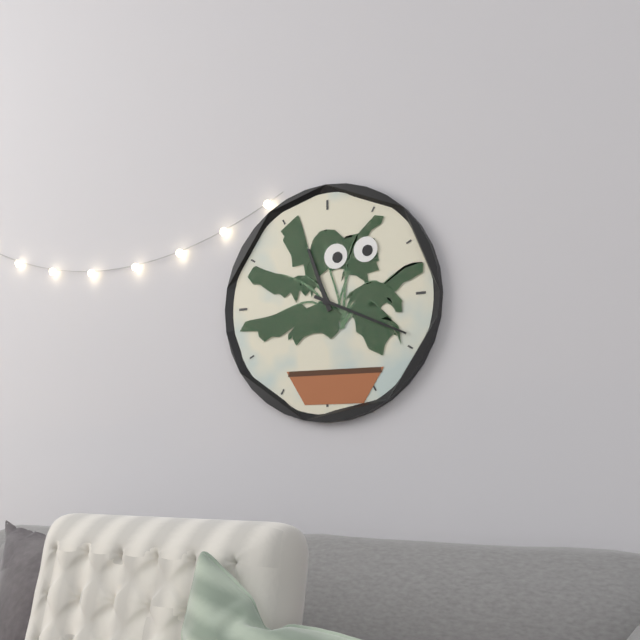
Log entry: {"hour": 11, "minute": 19}
